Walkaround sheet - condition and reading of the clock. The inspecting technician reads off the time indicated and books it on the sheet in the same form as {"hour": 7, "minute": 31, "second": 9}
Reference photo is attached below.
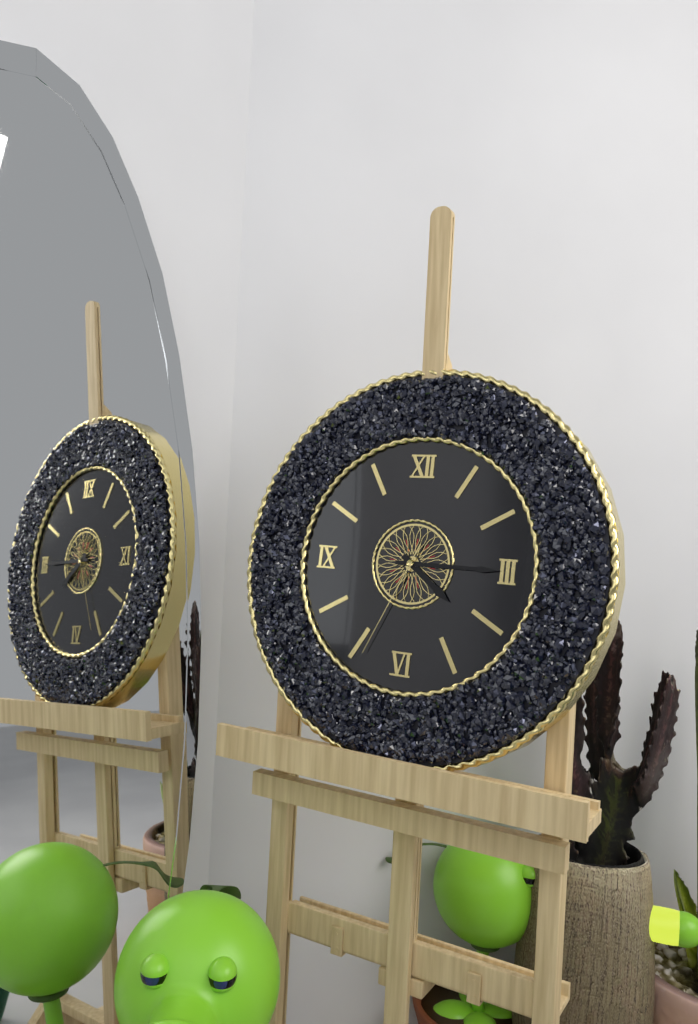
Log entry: {"hour": 4, "minute": 15, "second": 34}
